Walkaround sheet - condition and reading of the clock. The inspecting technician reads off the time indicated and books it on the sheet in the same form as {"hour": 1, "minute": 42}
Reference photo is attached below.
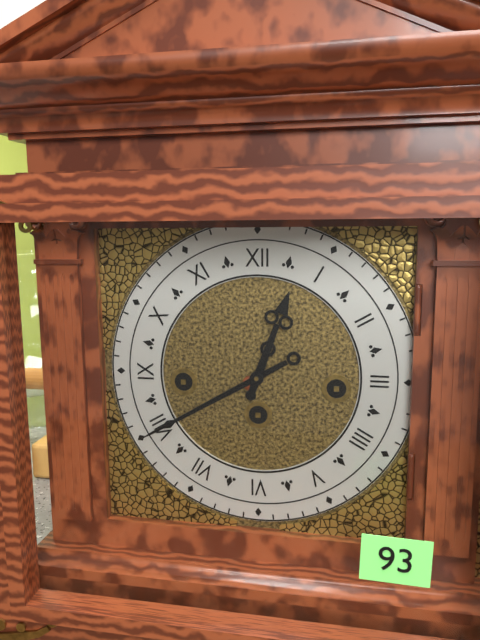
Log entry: {"hour": 12, "minute": 40}
